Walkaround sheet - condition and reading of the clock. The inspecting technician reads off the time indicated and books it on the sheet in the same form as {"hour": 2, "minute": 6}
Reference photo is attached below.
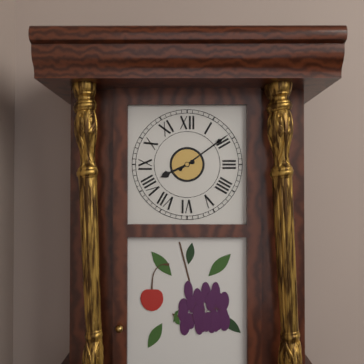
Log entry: {"hour": 8, "minute": 9}
